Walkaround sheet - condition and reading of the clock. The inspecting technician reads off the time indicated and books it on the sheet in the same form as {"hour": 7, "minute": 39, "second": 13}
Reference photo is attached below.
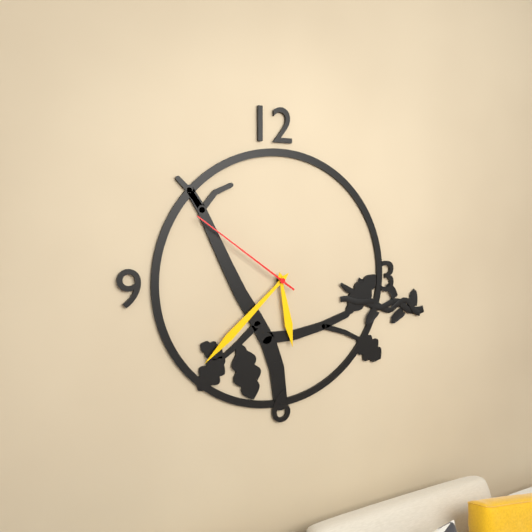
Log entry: {"hour": 5, "minute": 38, "second": 51}
